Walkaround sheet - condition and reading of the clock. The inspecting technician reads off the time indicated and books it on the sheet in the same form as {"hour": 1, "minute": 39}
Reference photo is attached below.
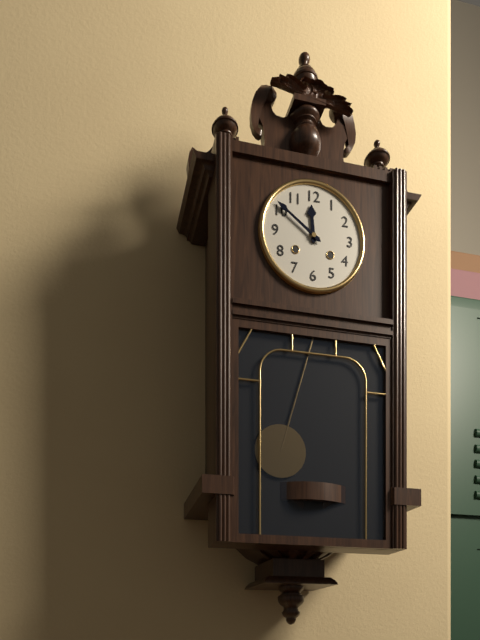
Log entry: {"hour": 11, "minute": 51}
